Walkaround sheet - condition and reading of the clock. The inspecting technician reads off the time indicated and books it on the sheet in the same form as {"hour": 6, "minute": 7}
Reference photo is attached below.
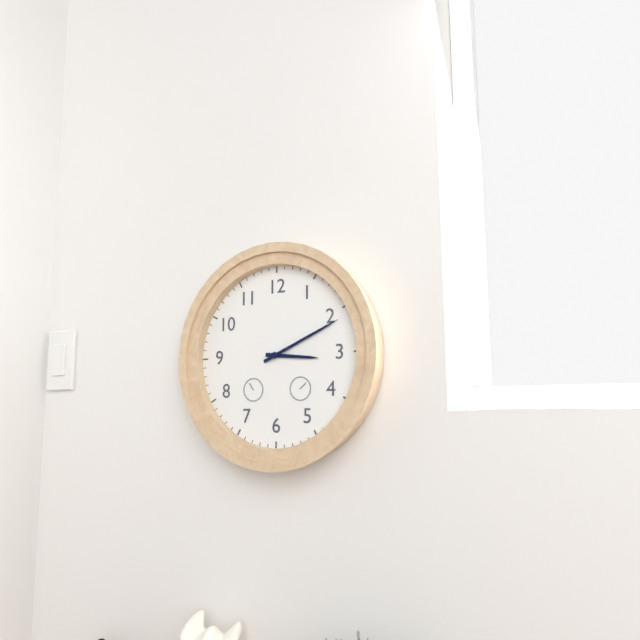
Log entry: {"hour": 3, "minute": 11}
